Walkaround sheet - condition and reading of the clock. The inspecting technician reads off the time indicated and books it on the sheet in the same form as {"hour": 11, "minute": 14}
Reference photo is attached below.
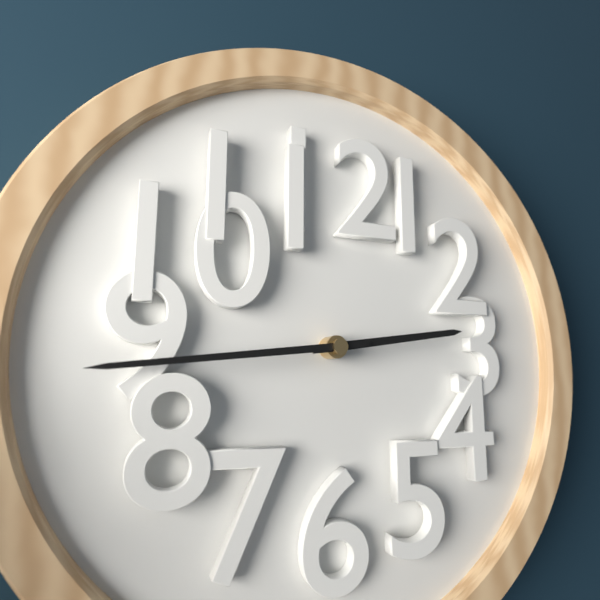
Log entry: {"hour": 2, "minute": 44}
